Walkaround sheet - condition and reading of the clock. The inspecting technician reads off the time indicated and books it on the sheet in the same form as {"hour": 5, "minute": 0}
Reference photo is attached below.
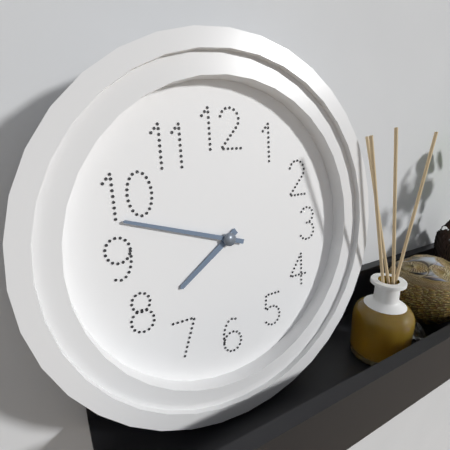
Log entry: {"hour": 7, "minute": 48}
